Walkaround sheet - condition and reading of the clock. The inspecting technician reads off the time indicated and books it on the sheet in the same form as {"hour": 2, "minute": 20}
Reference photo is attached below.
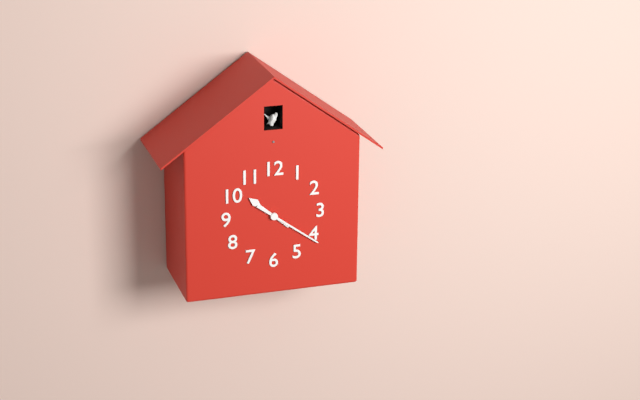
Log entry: {"hour": 10, "minute": 21}
